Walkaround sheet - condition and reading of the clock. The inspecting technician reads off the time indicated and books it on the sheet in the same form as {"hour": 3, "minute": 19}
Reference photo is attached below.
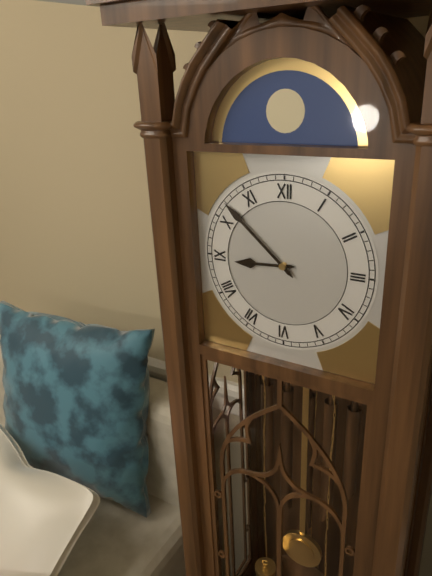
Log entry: {"hour": 8, "minute": 52}
